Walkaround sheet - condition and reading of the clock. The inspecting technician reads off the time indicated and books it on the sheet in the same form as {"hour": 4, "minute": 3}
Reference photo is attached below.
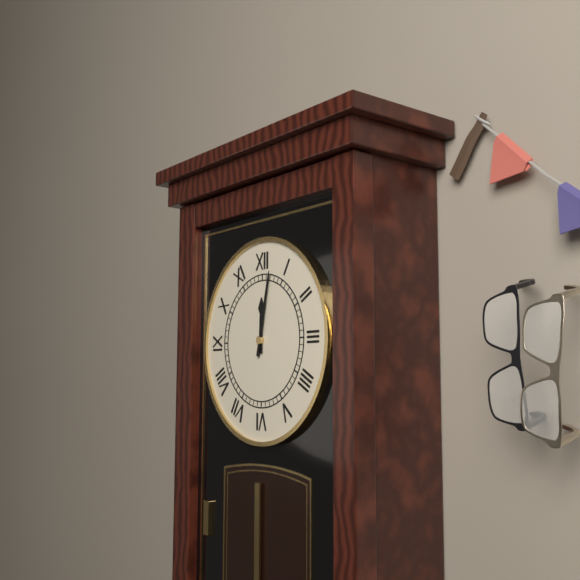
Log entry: {"hour": 12, "minute": 2}
